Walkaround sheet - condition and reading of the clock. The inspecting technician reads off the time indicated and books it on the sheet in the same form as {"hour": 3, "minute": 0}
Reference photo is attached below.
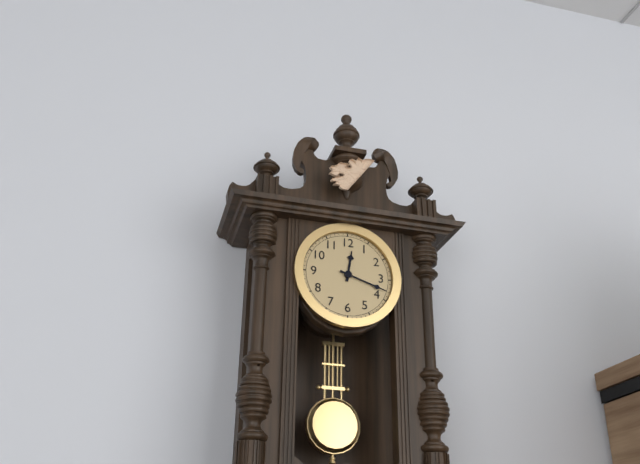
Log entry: {"hour": 12, "minute": 18}
